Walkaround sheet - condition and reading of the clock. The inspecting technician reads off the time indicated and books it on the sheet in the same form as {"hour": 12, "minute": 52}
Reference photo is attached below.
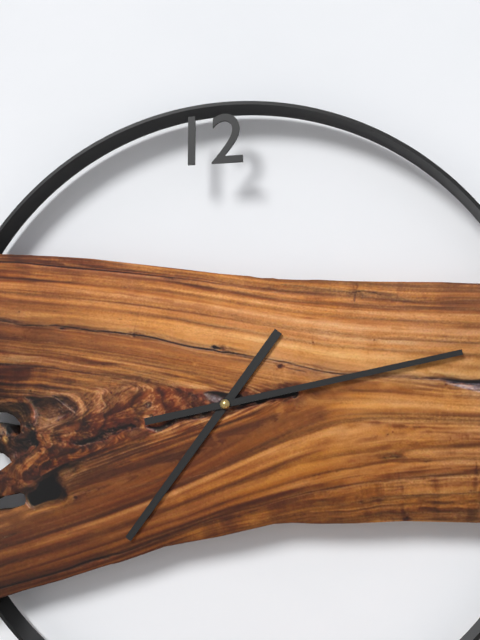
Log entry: {"hour": 7, "minute": 13}
